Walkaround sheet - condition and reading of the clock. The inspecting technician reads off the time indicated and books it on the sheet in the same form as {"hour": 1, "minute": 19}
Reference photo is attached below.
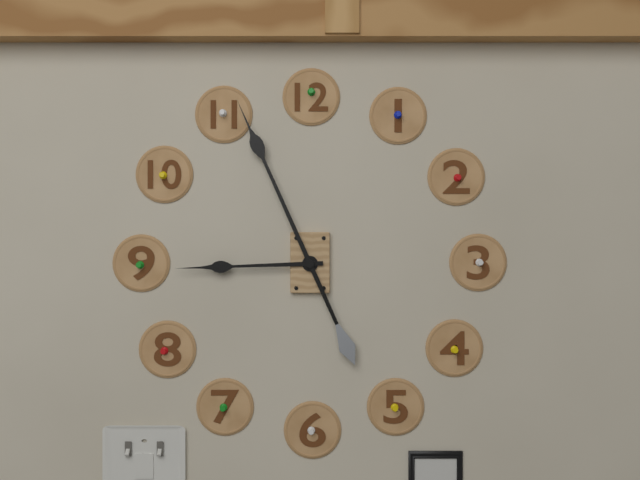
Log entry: {"hour": 8, "minute": 56}
